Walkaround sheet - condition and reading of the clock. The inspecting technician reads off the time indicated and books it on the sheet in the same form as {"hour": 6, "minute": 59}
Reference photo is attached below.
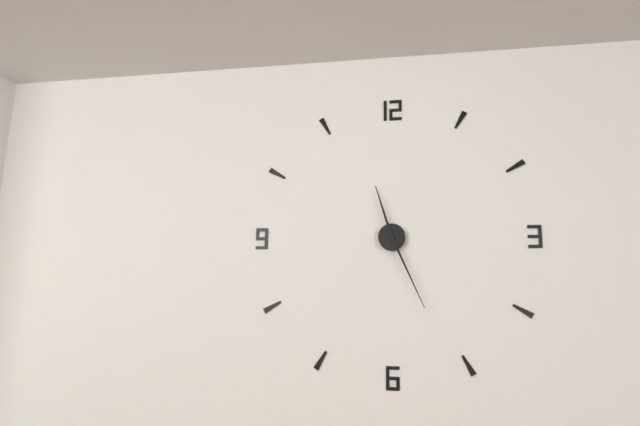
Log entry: {"hour": 11, "minute": 26}
